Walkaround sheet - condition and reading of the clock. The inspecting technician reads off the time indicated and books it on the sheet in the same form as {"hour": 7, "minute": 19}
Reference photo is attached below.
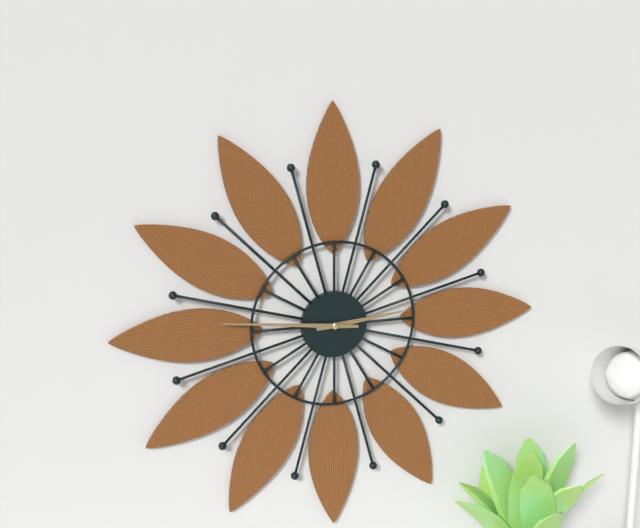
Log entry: {"hour": 2, "minute": 46}
